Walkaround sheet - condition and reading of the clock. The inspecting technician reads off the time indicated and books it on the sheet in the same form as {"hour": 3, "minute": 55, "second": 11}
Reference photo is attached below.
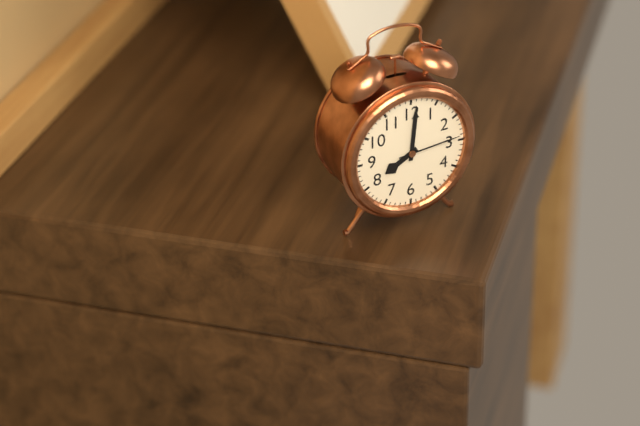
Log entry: {"hour": 8, "minute": 1, "second": 14}
